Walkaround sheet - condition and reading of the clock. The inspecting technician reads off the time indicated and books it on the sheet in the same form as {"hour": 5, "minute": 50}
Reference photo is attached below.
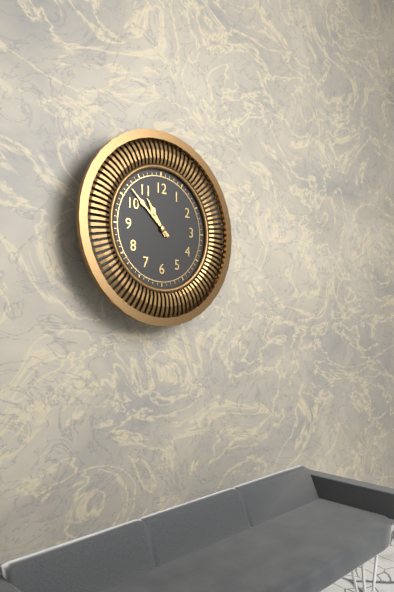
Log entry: {"hour": 10, "minute": 52}
